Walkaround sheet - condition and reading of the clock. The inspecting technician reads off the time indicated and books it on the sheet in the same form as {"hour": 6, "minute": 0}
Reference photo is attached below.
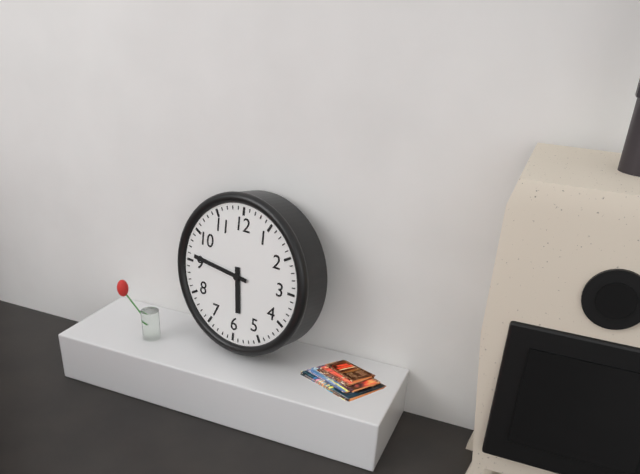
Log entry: {"hour": 5, "minute": 46}
